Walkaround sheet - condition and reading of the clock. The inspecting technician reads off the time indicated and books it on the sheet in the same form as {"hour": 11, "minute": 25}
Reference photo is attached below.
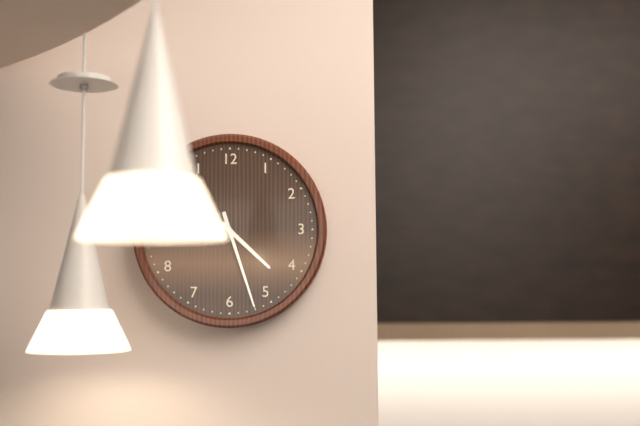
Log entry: {"hour": 4, "minute": 27}
